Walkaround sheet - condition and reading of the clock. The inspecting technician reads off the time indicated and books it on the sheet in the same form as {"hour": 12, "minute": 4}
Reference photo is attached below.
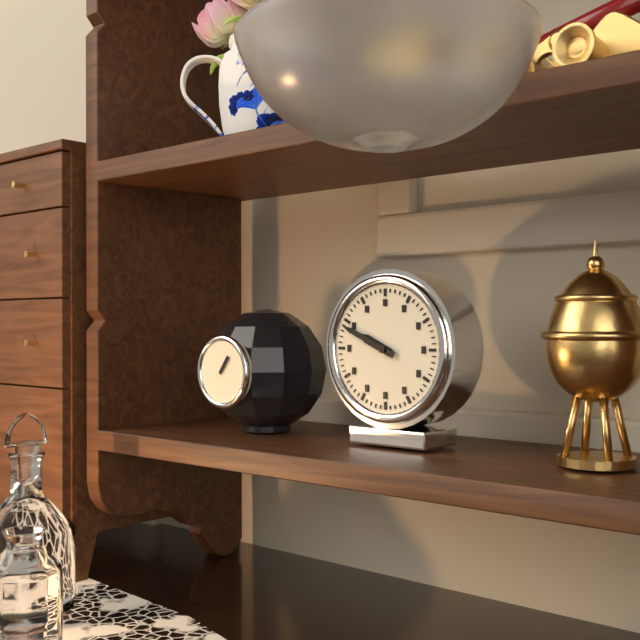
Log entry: {"hour": 9, "minute": 49}
